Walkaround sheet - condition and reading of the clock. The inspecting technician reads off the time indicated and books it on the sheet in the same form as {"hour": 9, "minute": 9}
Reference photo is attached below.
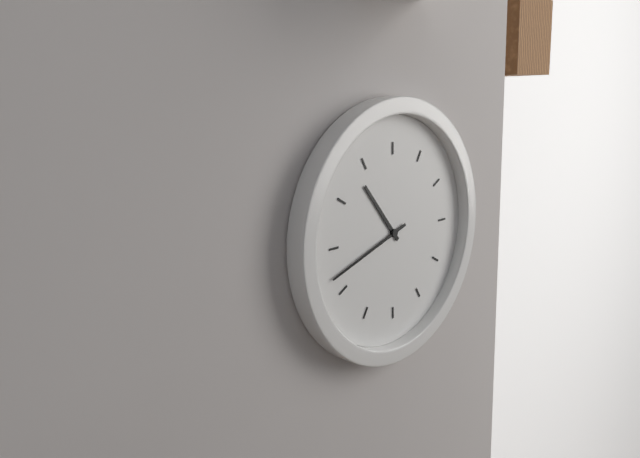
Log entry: {"hour": 10, "minute": 42}
